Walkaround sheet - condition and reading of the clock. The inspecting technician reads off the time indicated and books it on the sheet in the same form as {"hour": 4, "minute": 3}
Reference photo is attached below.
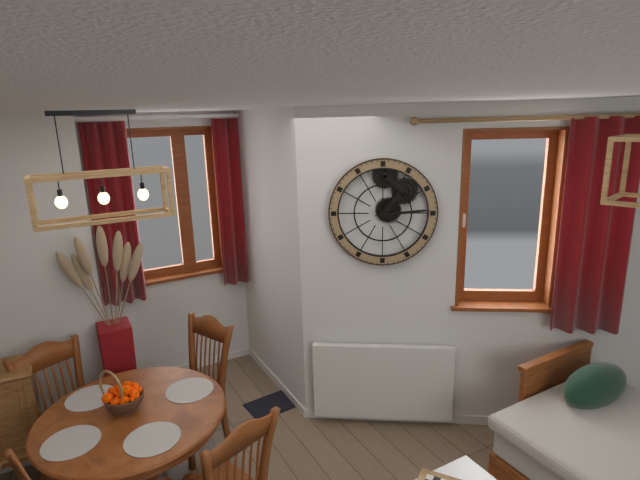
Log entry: {"hour": 1, "minute": 14}
